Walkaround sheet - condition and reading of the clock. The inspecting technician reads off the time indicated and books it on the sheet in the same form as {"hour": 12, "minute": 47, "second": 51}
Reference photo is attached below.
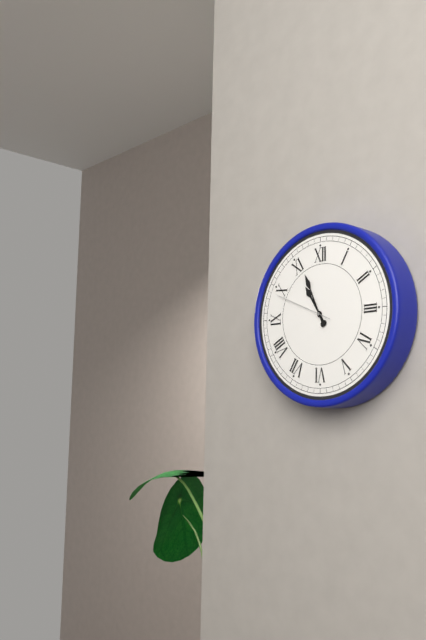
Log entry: {"hour": 10, "minute": 56, "second": 49}
